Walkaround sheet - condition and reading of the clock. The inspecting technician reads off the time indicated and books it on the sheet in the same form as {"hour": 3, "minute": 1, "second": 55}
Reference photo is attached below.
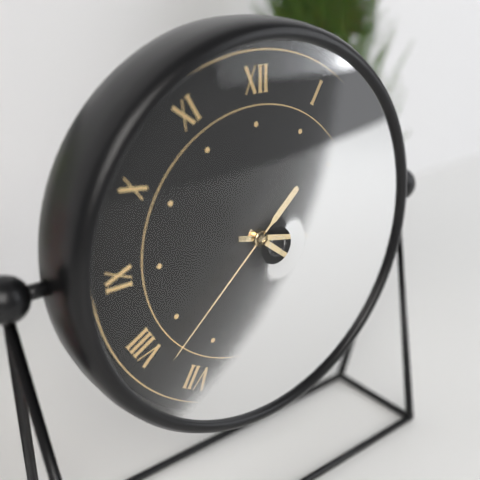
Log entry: {"hour": 4, "minute": 17, "second": 38}
